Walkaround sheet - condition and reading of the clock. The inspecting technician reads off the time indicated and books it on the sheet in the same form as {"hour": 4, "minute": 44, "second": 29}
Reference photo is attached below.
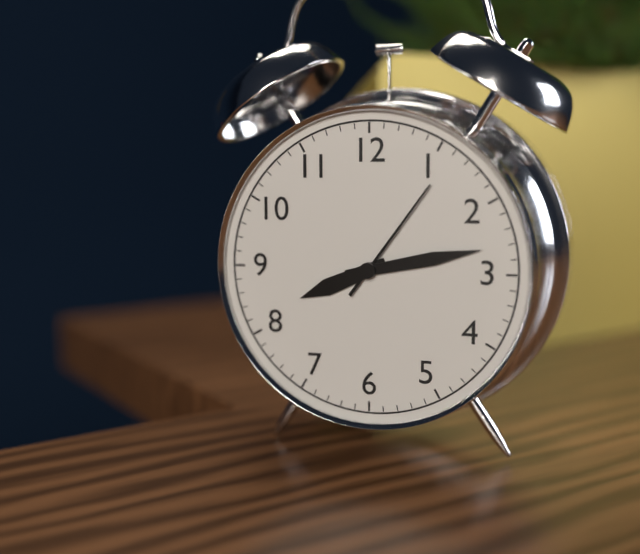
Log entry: {"hour": 8, "minute": 13, "second": 6}
